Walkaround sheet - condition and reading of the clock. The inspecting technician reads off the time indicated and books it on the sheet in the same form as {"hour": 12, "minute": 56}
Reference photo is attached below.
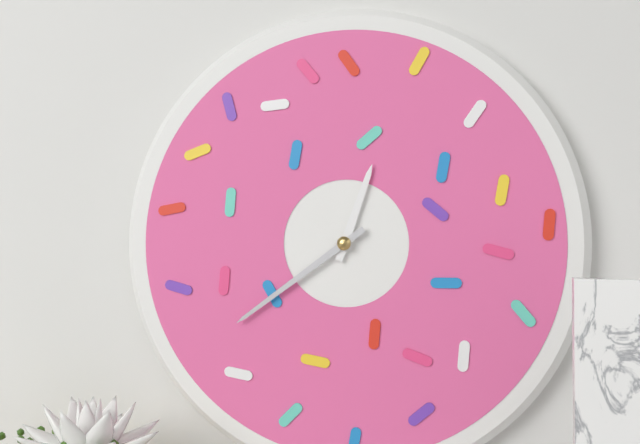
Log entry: {"hour": 12, "minute": 39}
